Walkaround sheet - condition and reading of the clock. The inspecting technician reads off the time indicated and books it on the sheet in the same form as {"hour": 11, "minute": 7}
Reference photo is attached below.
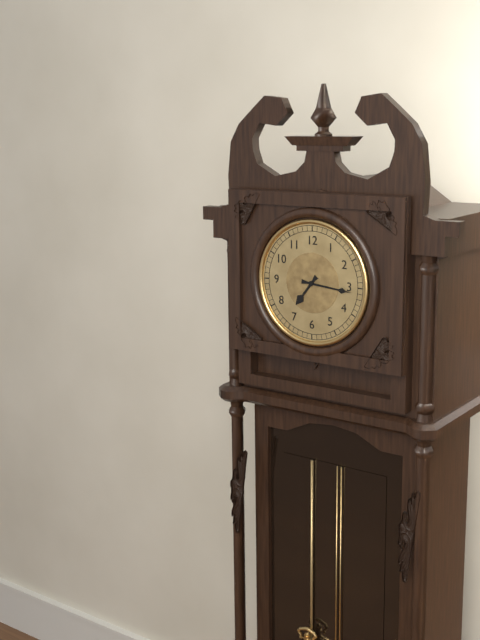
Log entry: {"hour": 7, "minute": 16}
